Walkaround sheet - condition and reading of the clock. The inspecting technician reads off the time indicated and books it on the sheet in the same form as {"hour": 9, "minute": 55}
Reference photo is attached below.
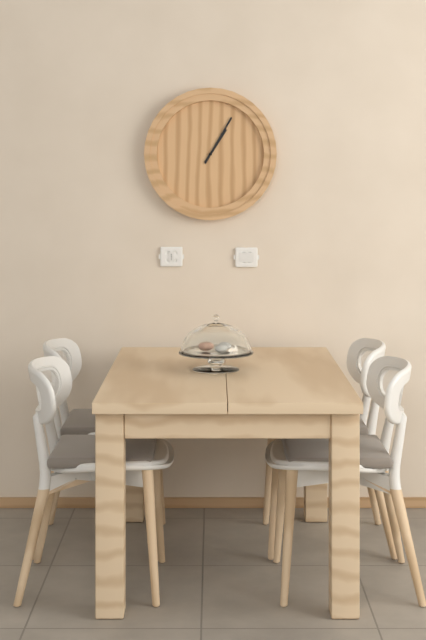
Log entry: {"hour": 1, "minute": 5}
